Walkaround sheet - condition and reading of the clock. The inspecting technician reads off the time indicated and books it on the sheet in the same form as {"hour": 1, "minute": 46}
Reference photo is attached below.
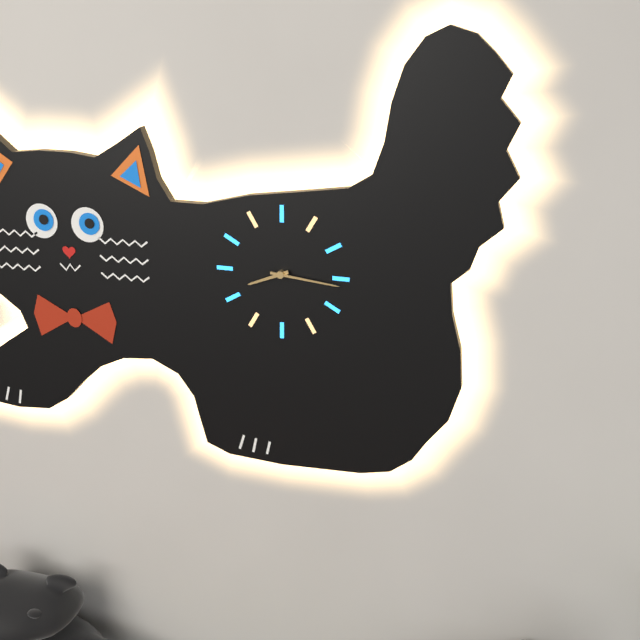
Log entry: {"hour": 8, "minute": 16}
